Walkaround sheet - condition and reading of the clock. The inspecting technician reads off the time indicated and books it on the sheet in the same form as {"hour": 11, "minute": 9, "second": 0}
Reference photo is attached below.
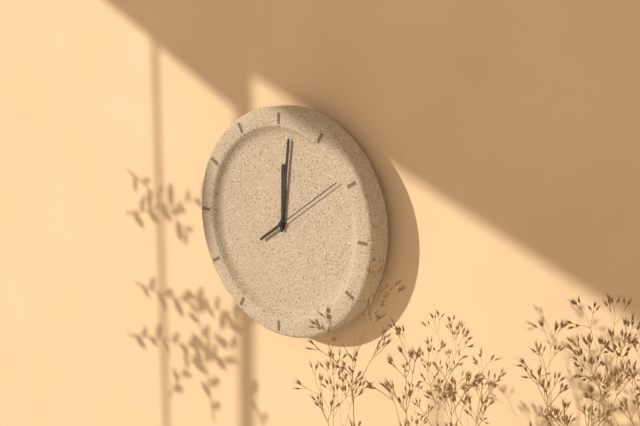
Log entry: {"hour": 12, "minute": 1, "second": 9}
